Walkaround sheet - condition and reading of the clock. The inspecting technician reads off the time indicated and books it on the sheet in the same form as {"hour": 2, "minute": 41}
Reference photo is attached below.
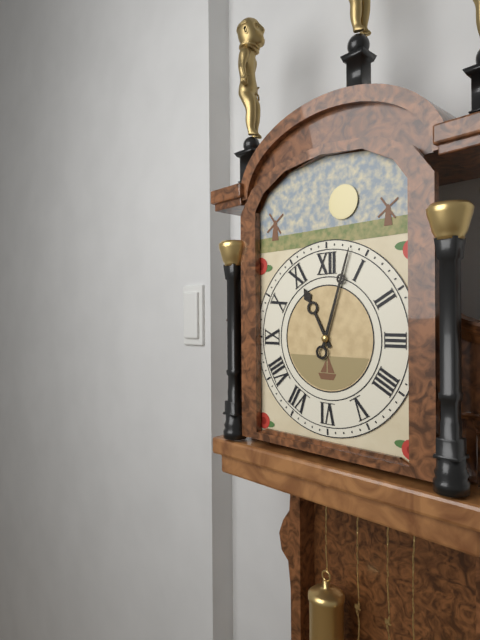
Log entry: {"hour": 11, "minute": 3}
